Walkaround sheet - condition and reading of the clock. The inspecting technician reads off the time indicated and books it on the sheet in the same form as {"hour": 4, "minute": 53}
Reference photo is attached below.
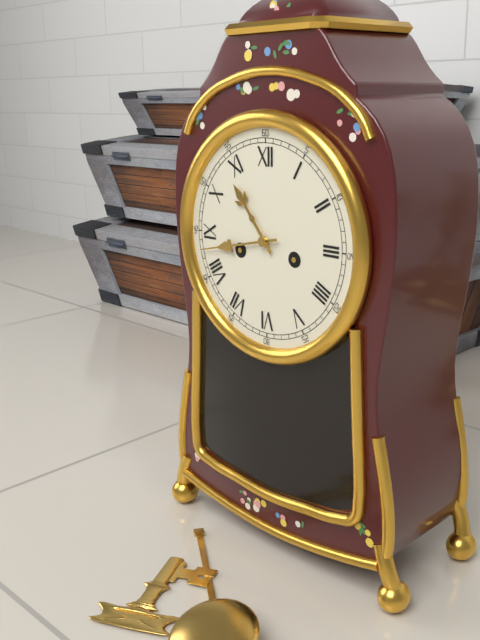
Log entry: {"hour": 10, "minute": 43}
